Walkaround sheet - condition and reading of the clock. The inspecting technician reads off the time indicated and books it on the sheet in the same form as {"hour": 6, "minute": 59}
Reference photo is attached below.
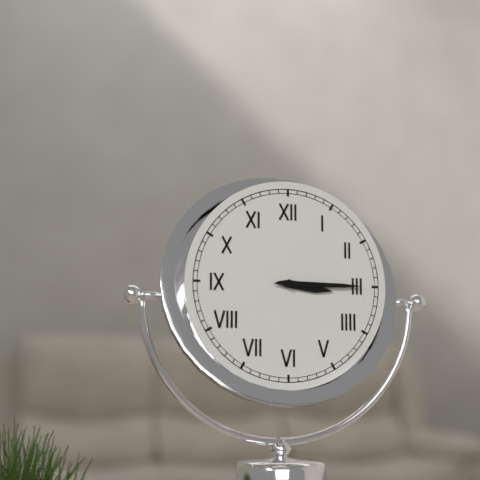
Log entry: {"hour": 3, "minute": 15}
